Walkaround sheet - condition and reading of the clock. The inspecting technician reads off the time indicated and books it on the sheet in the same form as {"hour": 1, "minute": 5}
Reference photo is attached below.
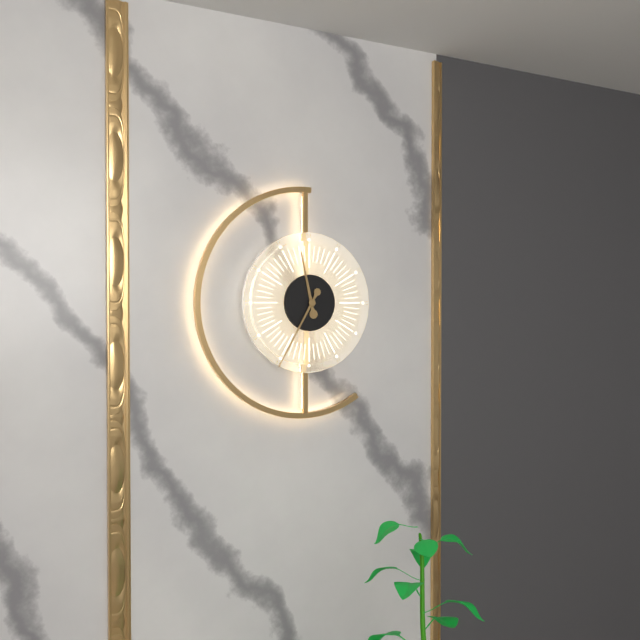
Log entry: {"hour": 11, "minute": 35}
